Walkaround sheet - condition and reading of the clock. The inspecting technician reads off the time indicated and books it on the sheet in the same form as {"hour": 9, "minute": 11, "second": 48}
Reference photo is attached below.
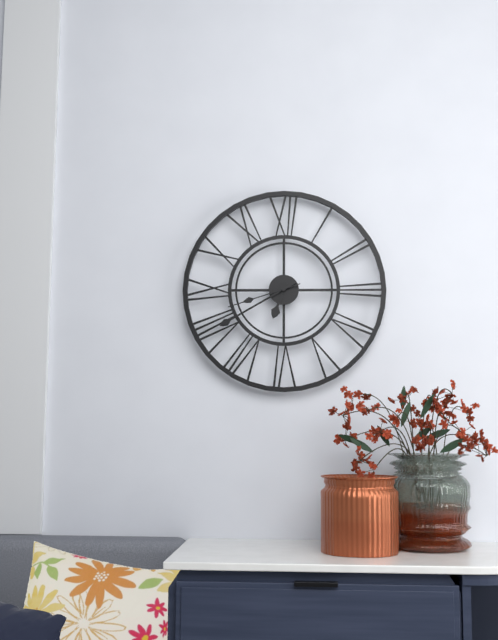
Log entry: {"hour": 6, "minute": 40, "second": 42}
